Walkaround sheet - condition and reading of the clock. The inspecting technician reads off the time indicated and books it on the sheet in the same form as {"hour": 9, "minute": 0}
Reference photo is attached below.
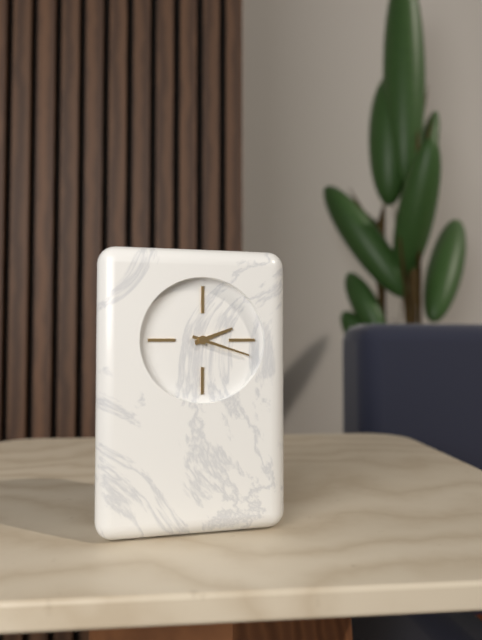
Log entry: {"hour": 2, "minute": 18}
